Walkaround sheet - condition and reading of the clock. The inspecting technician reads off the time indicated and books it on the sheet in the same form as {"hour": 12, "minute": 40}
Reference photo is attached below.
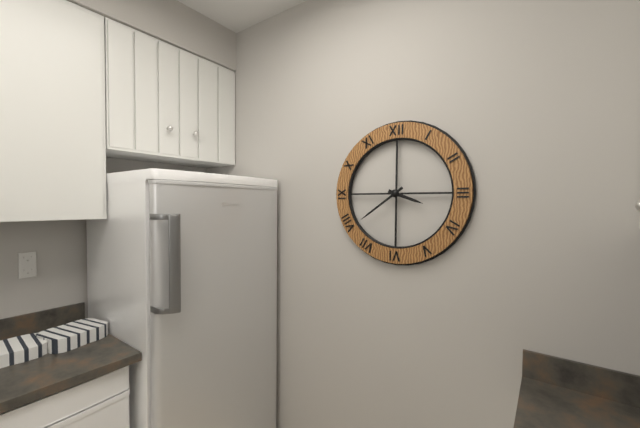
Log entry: {"hour": 3, "minute": 39}
